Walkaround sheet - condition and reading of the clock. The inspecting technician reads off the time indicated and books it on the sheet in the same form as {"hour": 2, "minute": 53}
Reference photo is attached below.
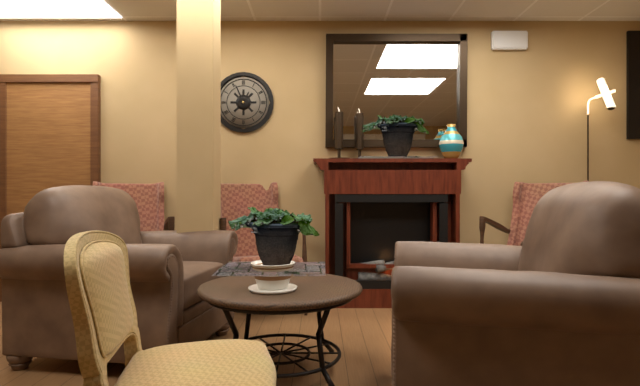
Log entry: {"hour": 12, "minute": 56}
